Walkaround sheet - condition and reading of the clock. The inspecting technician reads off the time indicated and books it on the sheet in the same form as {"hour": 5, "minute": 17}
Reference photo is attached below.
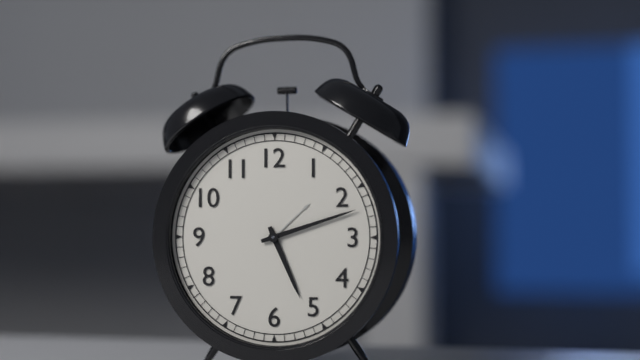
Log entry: {"hour": 5, "minute": 12}
